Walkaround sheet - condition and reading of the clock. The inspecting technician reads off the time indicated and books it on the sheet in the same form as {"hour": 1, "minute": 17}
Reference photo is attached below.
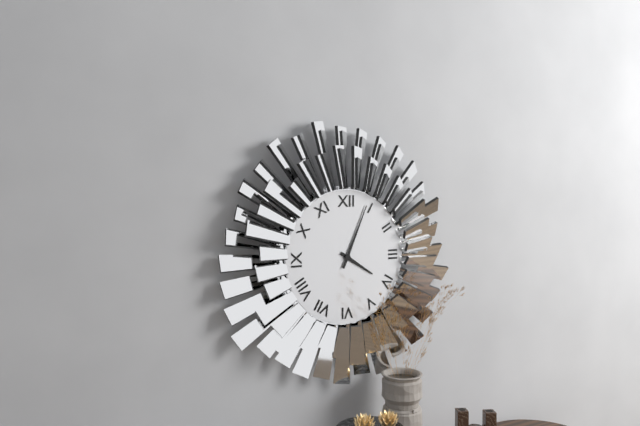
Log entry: {"hour": 4, "minute": 4}
